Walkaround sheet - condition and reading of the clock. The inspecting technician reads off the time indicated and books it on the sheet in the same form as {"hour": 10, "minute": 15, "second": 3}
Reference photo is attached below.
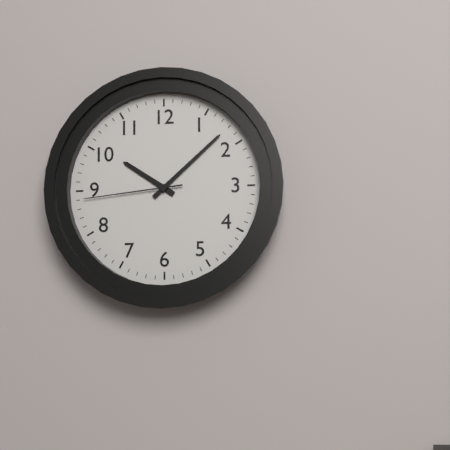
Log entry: {"hour": 10, "minute": 8, "second": 44}
